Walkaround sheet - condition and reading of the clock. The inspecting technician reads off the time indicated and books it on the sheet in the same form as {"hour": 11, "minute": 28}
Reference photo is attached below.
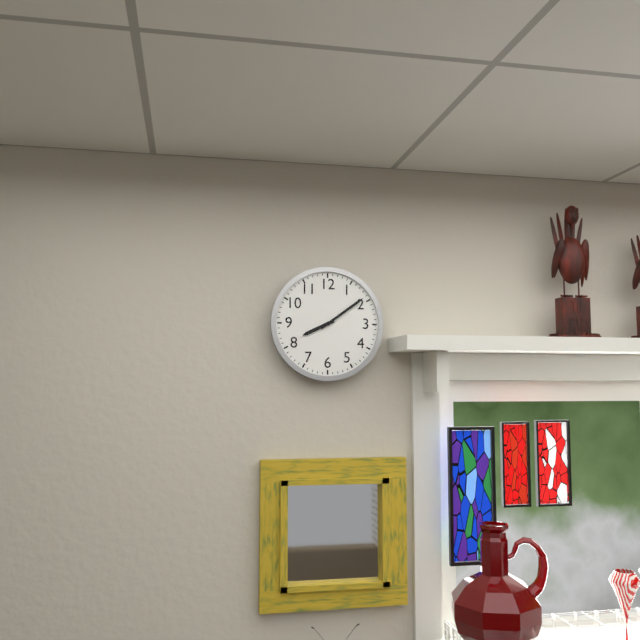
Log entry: {"hour": 8, "minute": 9}
